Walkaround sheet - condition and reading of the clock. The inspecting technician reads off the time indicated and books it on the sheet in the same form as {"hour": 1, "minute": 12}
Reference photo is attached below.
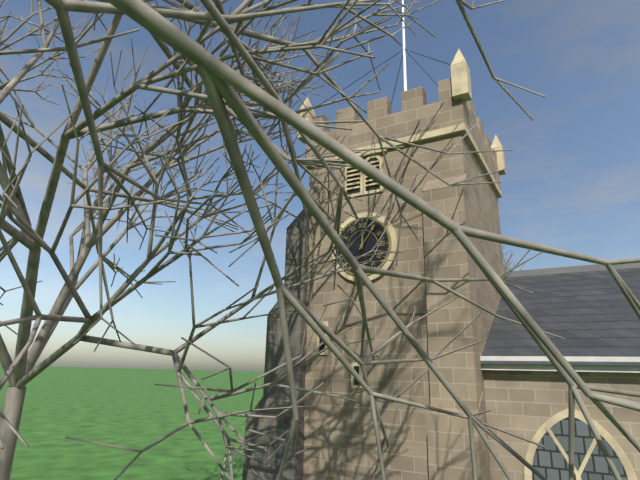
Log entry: {"hour": 12, "minute": 6}
